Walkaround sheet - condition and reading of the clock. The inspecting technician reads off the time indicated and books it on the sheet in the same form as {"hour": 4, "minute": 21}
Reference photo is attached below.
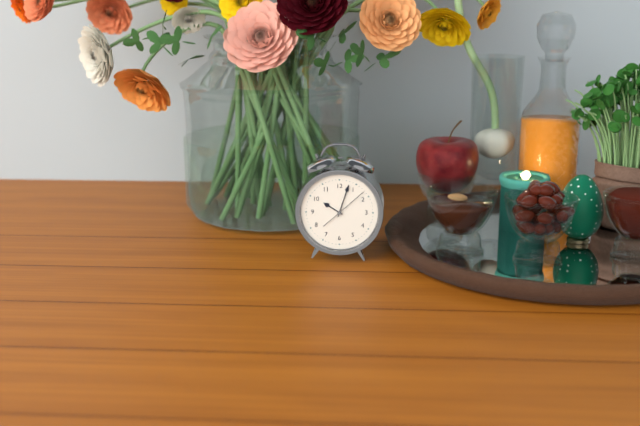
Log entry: {"hour": 10, "minute": 3}
